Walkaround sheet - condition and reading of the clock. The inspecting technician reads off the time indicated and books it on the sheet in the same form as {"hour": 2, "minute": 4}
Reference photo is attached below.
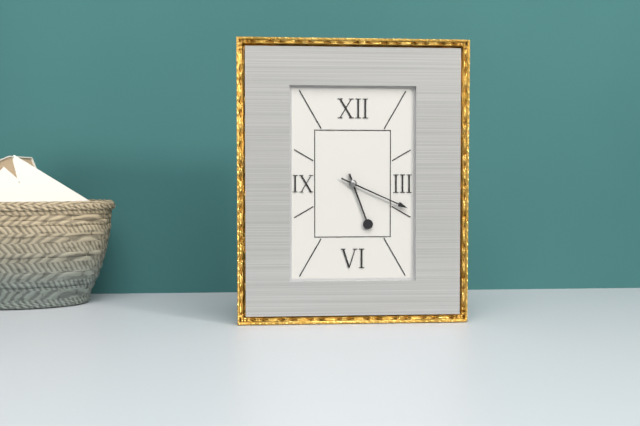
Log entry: {"hour": 5, "minute": 19}
